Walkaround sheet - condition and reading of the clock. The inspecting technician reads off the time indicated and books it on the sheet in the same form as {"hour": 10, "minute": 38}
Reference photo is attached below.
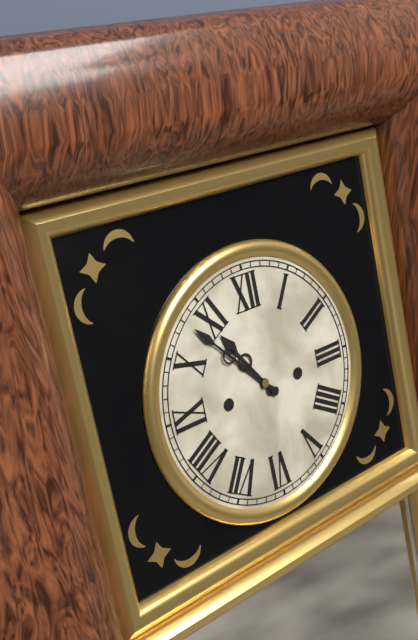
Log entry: {"hour": 10, "minute": 53}
